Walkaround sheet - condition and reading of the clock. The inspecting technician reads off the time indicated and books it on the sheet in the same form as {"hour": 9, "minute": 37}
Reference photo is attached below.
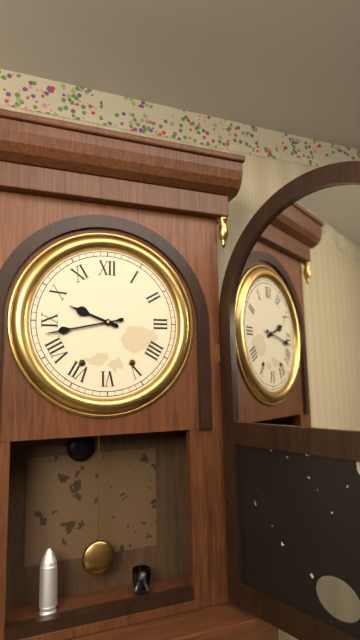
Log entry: {"hour": 9, "minute": 43}
